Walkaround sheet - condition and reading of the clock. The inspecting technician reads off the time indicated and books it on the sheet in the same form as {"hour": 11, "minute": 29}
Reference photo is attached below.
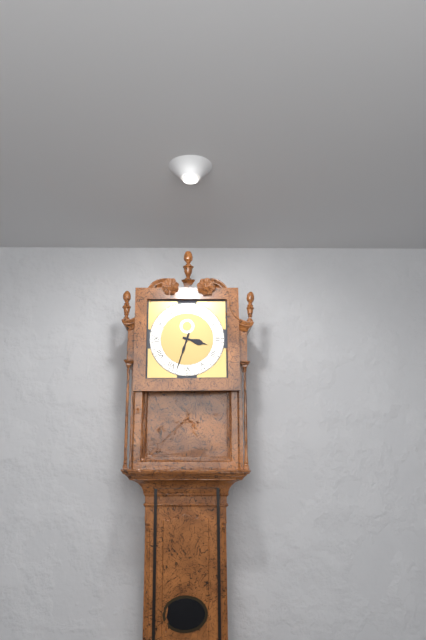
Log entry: {"hour": 3, "minute": 33}
